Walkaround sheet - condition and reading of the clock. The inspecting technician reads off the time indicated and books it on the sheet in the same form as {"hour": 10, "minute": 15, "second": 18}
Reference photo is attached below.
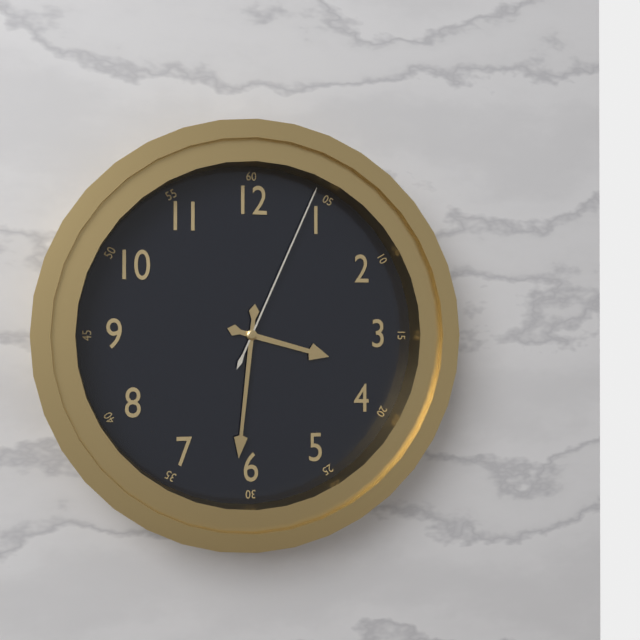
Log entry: {"hour": 3, "minute": 31, "second": 4}
